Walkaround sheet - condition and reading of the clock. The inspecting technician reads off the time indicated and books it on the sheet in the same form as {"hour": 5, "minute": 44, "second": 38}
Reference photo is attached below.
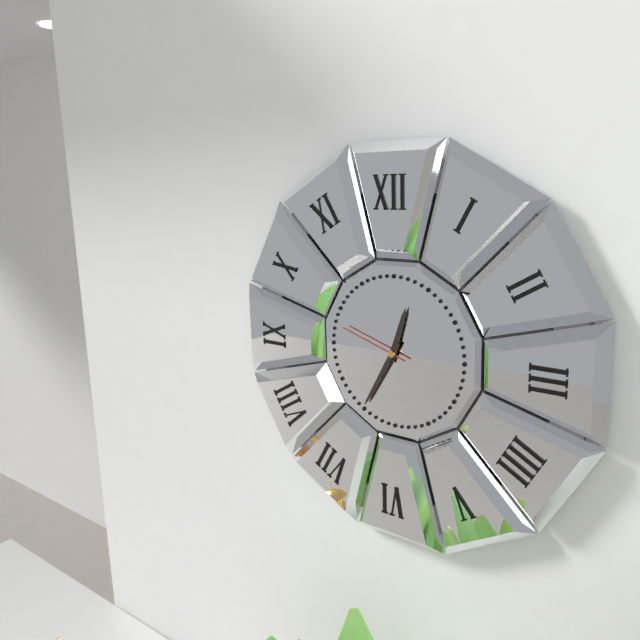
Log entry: {"hour": 12, "minute": 35, "second": 48}
